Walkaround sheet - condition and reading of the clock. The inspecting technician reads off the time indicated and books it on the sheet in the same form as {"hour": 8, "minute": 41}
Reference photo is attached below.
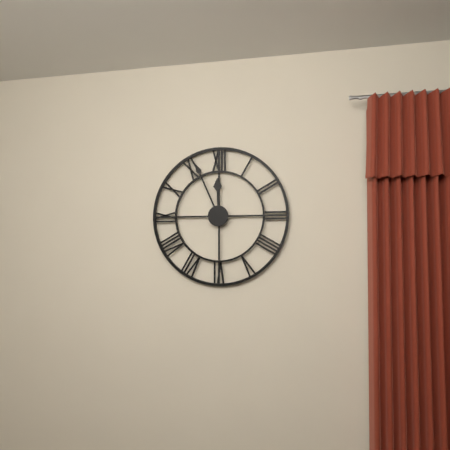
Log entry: {"hour": 11, "minute": 56}
